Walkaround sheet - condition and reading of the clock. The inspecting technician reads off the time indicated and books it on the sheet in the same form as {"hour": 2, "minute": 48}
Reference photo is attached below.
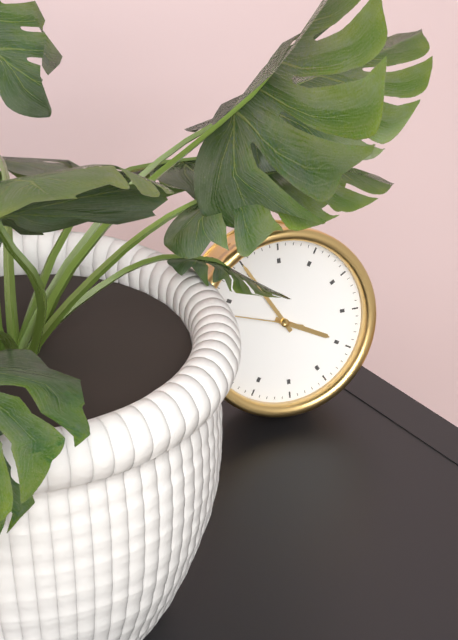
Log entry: {"hour": 3, "minute": 55}
